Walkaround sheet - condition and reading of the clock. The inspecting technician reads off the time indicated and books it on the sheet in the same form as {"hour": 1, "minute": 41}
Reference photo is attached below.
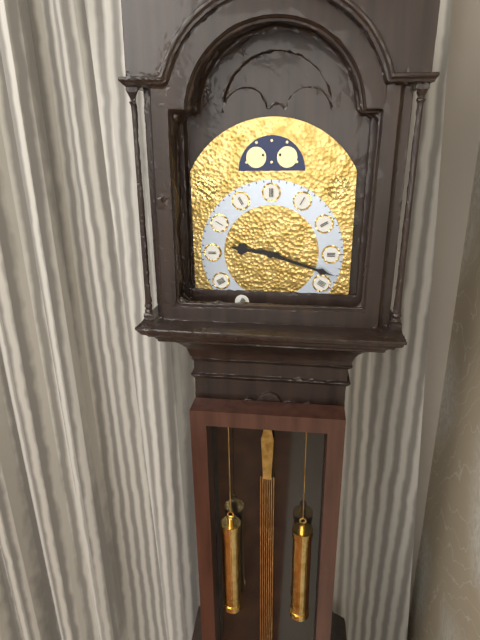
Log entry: {"hour": 9, "minute": 18}
